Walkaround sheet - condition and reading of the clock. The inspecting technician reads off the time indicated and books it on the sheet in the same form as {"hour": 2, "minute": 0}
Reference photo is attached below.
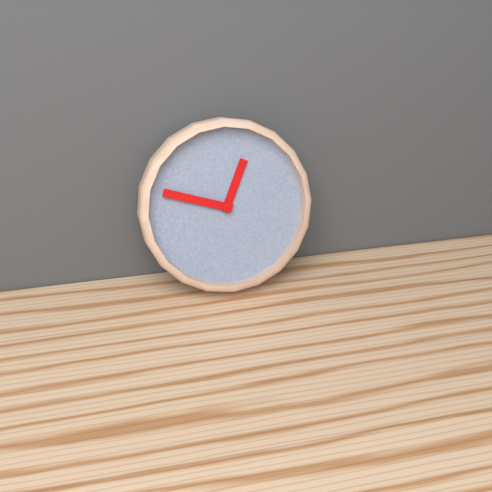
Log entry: {"hour": 12, "minute": 48}
